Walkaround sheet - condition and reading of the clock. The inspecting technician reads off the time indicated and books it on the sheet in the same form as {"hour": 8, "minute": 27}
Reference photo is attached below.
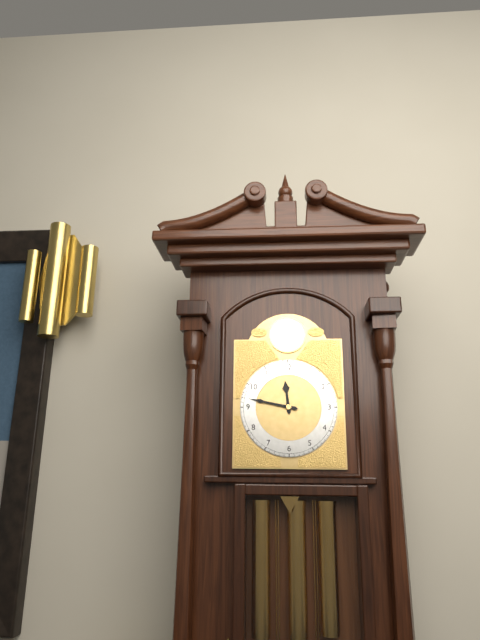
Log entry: {"hour": 11, "minute": 47}
